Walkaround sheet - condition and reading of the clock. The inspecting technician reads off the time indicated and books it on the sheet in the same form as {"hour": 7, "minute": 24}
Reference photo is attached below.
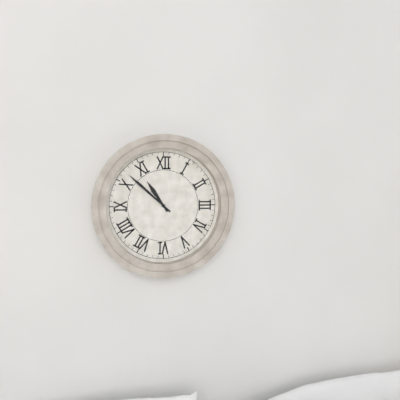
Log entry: {"hour": 10, "minute": 52}
